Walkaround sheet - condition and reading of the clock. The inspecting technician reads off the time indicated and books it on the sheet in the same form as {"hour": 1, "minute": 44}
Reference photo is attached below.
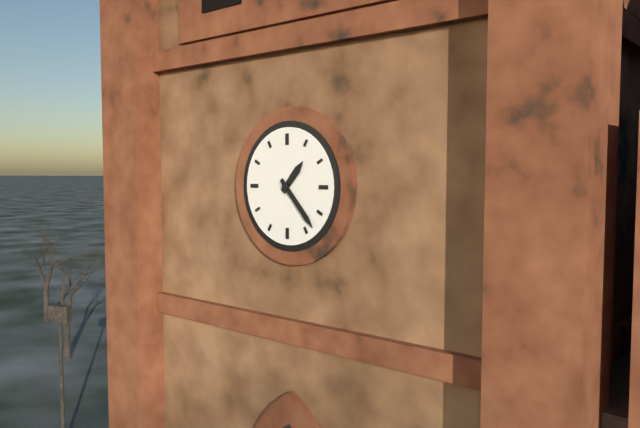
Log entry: {"hour": 1, "minute": 23}
